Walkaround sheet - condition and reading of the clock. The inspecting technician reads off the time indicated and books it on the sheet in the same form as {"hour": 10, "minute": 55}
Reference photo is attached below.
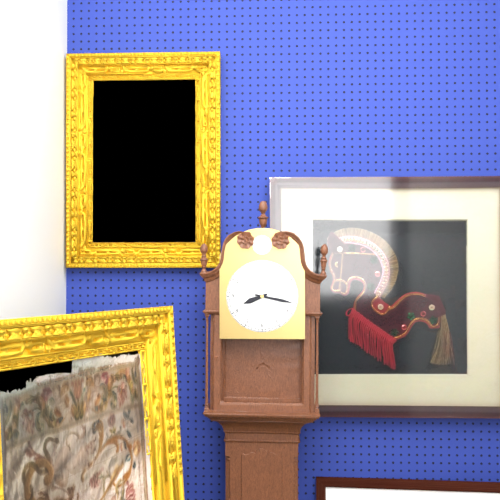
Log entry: {"hour": 8, "minute": 17}
